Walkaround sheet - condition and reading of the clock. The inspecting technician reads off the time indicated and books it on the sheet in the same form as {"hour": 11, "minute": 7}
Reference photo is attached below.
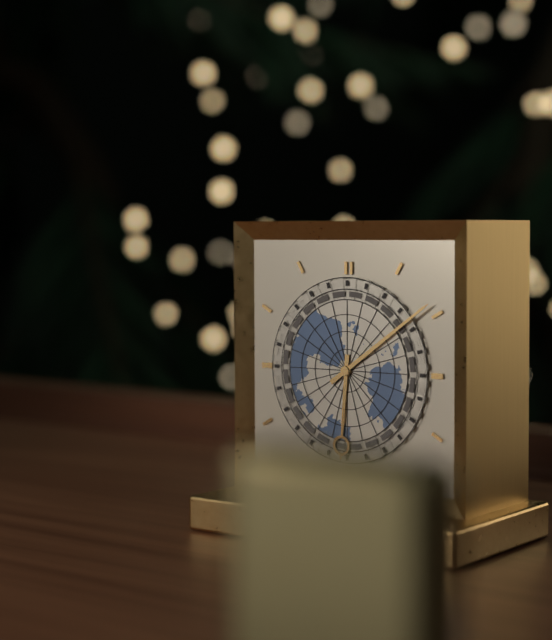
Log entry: {"hour": 6, "minute": 9}
